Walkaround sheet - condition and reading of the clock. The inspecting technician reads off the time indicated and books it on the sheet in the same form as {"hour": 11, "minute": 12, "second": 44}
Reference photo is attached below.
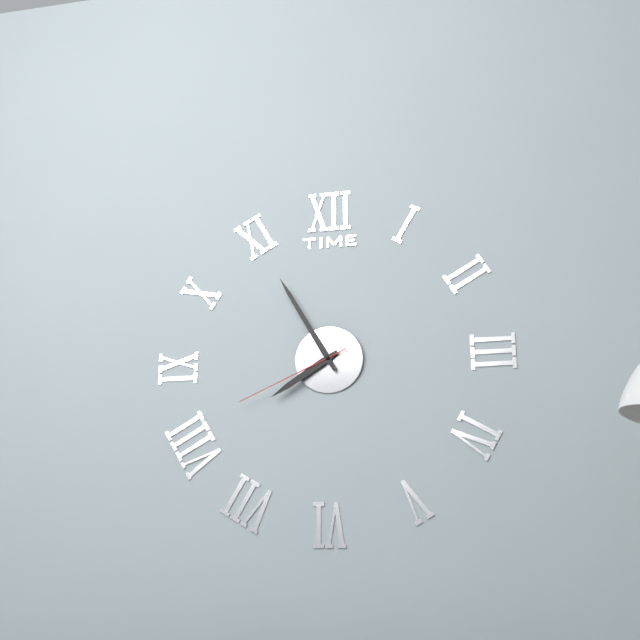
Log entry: {"hour": 7, "minute": 55, "second": 41}
